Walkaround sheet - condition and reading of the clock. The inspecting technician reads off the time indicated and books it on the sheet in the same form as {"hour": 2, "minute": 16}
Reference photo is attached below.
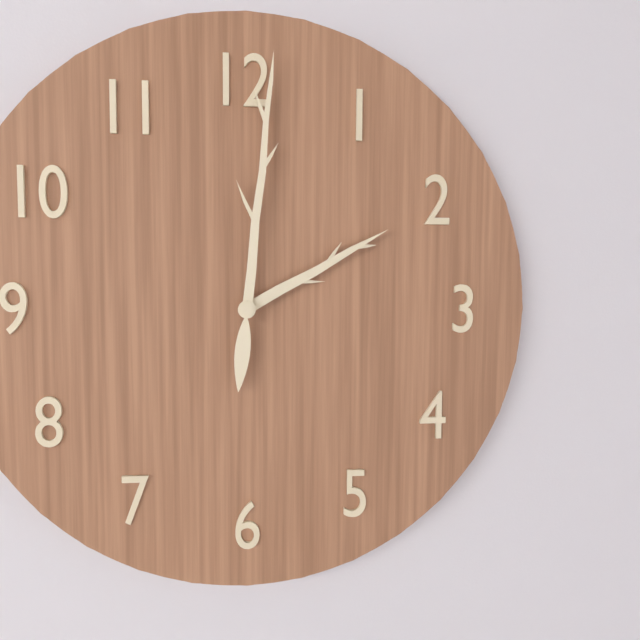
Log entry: {"hour": 2, "minute": 1}
